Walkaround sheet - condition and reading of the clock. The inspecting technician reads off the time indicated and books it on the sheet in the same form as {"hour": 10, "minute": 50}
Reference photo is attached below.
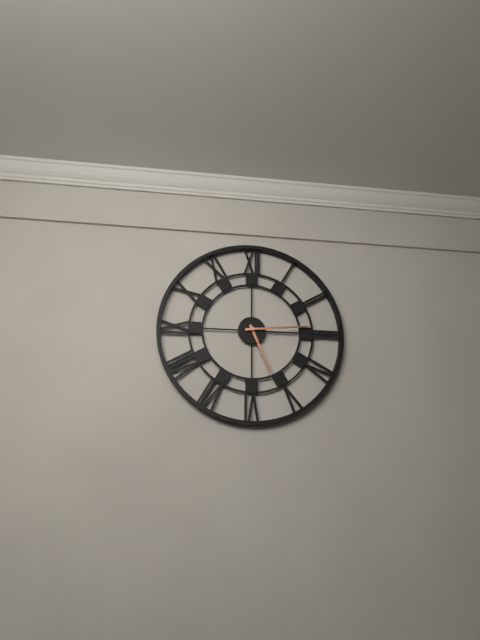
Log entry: {"hour": 5, "minute": 14}
